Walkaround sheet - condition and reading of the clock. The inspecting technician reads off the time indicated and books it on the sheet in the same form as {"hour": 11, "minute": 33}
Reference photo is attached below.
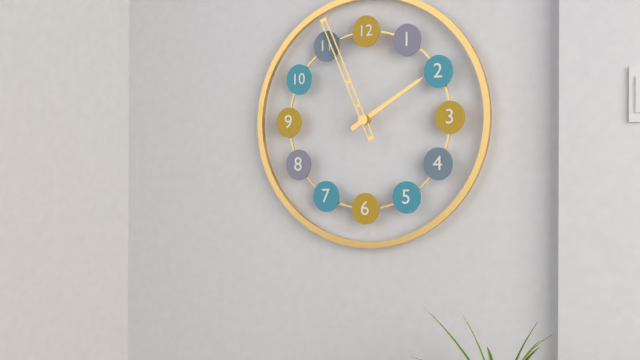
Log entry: {"hour": 1, "minute": 56}
